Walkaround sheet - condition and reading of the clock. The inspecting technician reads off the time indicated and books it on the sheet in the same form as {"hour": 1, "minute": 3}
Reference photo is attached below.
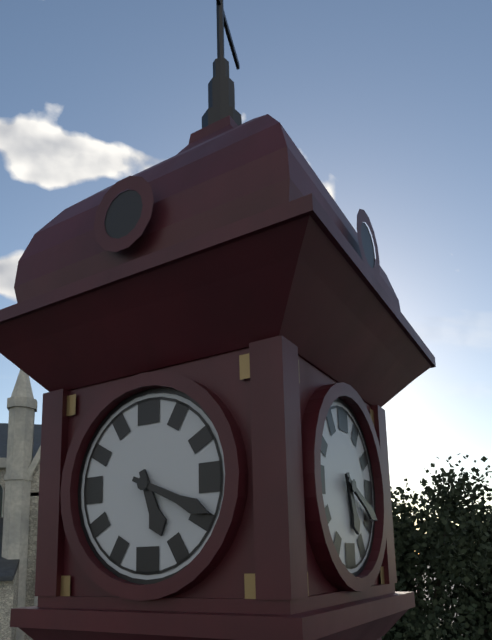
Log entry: {"hour": 5, "minute": 19}
